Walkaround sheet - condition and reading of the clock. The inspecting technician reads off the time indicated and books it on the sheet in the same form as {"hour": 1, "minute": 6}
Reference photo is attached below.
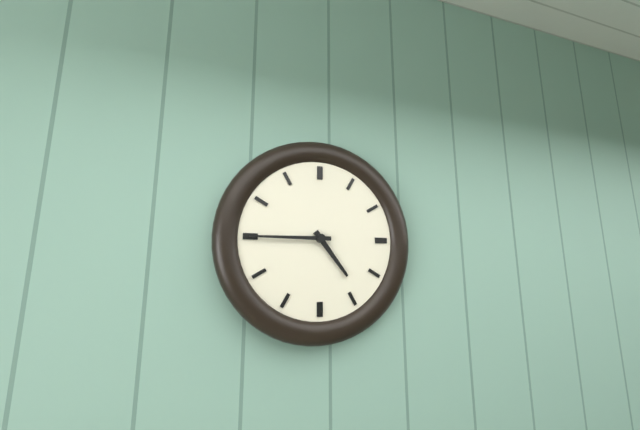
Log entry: {"hour": 4, "minute": 45}
